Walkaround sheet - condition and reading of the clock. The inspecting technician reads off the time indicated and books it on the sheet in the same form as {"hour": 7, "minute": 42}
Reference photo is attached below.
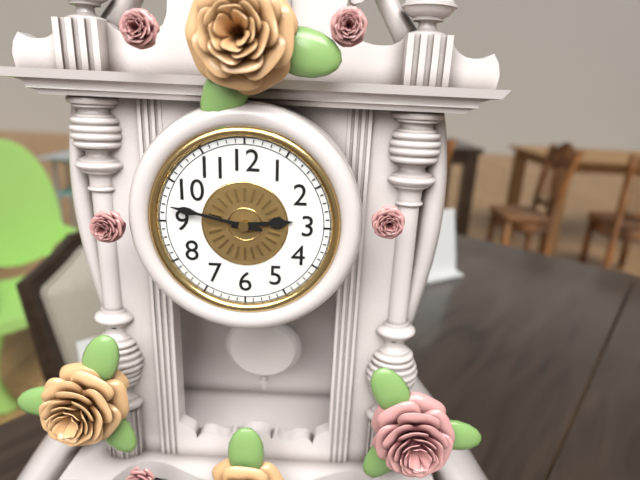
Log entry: {"hour": 2, "minute": 47}
